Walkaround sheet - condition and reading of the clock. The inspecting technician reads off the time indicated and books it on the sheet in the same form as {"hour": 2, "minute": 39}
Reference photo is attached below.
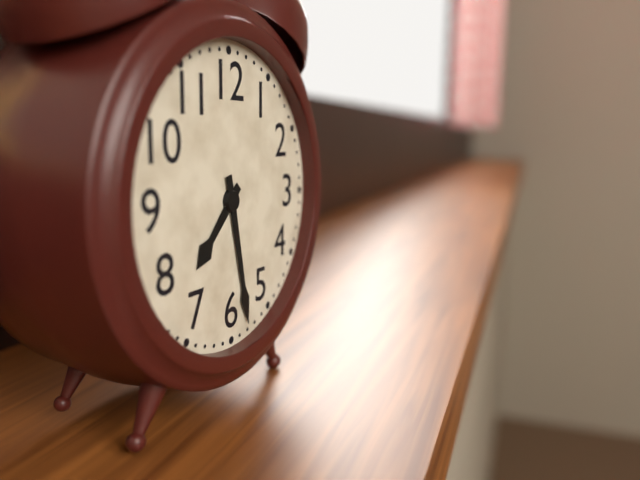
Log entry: {"hour": 7, "minute": 28}
